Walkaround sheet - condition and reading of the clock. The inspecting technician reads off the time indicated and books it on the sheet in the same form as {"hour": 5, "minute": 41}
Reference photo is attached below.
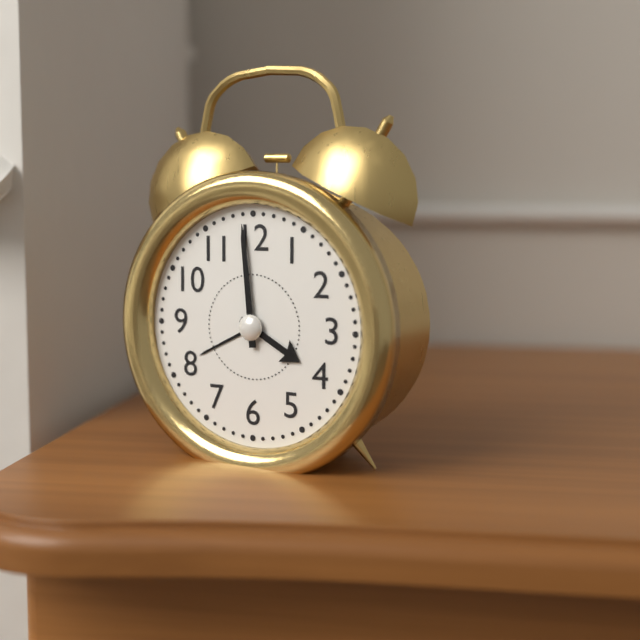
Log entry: {"hour": 3, "minute": 59}
